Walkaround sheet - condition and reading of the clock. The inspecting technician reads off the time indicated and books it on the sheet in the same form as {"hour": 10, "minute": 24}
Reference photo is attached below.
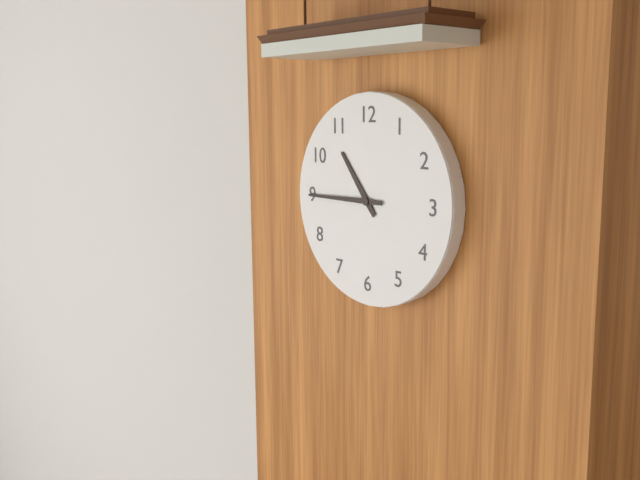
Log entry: {"hour": 10, "minute": 45}
